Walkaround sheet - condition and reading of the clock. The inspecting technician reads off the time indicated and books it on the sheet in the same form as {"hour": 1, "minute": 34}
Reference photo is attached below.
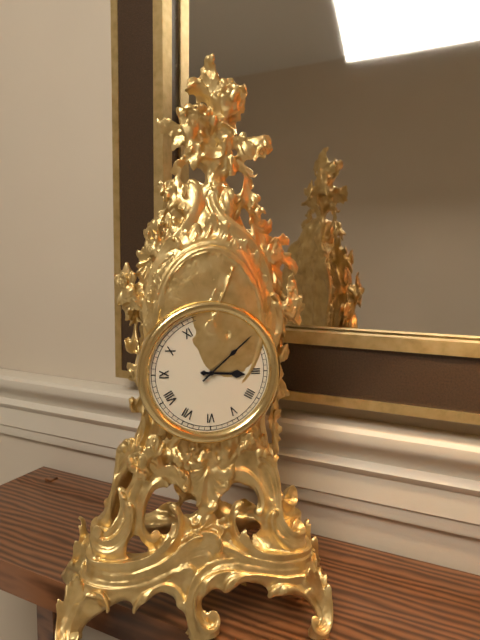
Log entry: {"hour": 3, "minute": 8}
